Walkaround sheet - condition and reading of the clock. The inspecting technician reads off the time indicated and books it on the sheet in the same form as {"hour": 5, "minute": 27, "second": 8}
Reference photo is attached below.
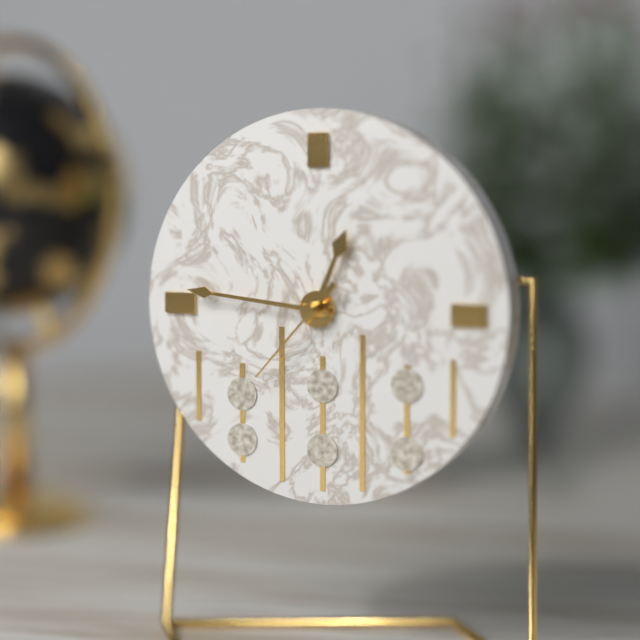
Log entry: {"hour": 12, "minute": 46, "second": 37}
